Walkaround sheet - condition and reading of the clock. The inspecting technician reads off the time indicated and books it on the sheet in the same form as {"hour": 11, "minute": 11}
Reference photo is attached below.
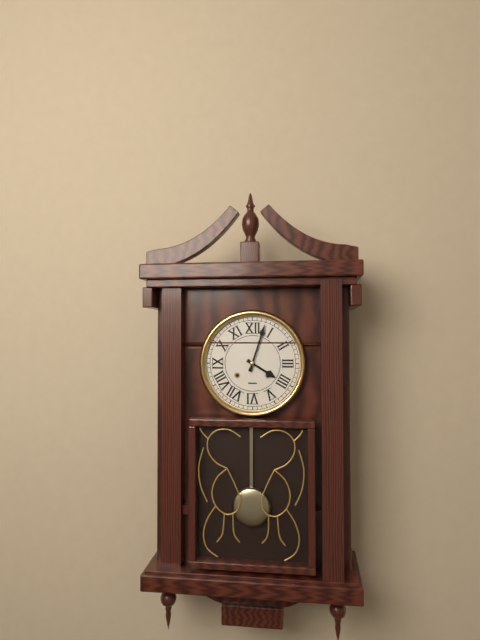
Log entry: {"hour": 4, "minute": 3}
